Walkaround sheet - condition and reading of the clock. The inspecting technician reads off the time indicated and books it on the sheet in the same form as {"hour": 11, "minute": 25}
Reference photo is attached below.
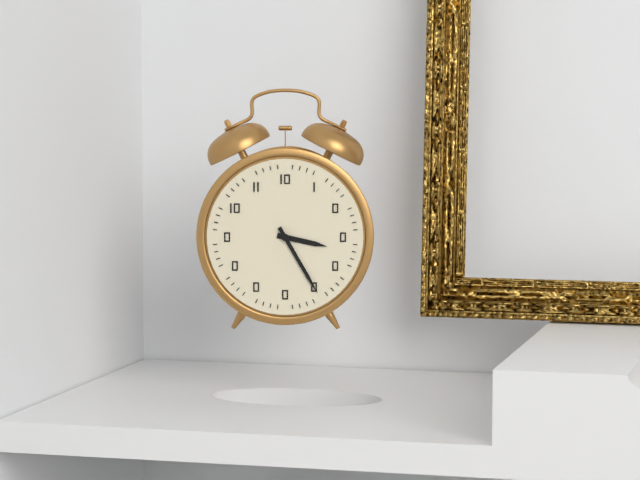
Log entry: {"hour": 3, "minute": 25}
